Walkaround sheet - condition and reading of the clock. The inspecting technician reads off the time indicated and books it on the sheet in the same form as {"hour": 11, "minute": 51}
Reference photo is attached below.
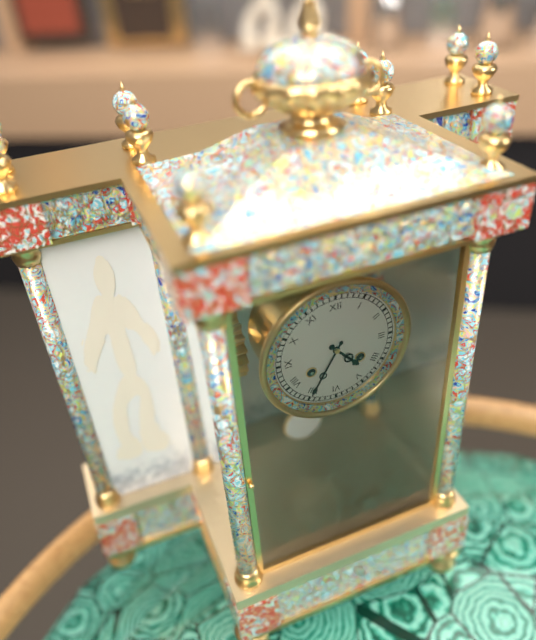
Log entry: {"hour": 4, "minute": 35}
